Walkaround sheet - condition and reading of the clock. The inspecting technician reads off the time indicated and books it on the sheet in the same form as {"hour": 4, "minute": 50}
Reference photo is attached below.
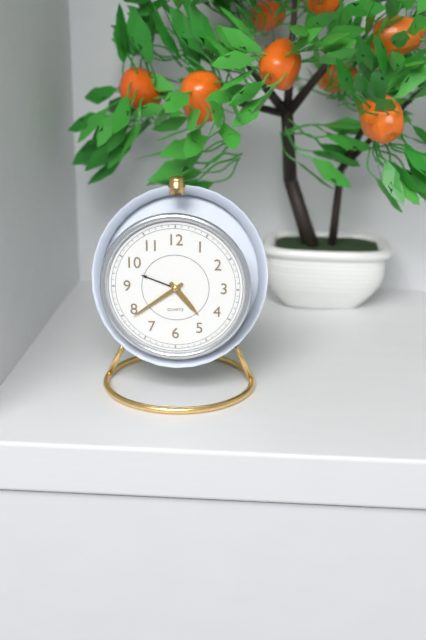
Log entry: {"hour": 4, "minute": 39}
